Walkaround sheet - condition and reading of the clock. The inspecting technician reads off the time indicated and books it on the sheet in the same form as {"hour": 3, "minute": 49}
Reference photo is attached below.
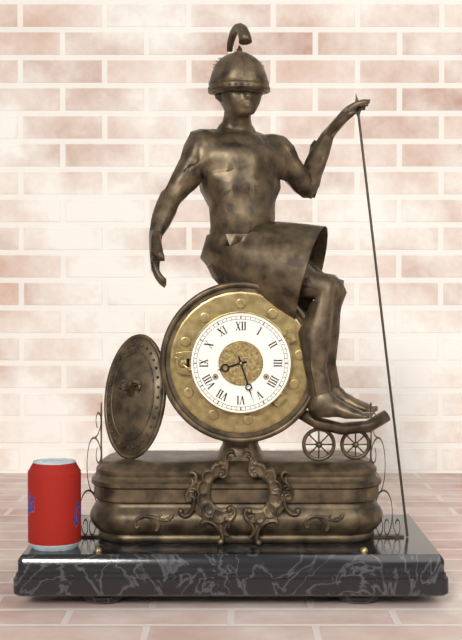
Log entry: {"hour": 8, "minute": 27}
